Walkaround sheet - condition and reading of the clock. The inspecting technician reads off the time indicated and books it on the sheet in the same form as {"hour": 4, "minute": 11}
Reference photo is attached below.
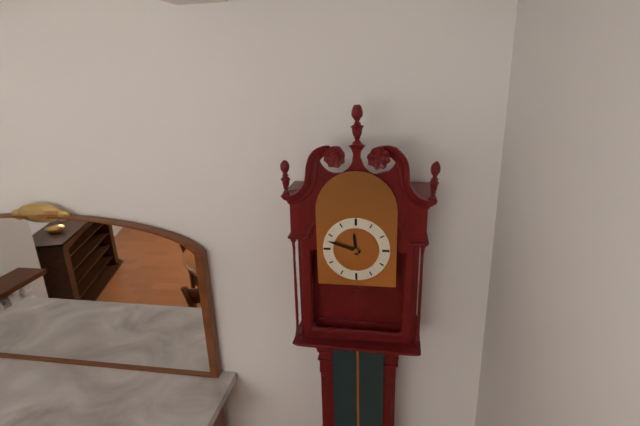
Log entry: {"hour": 11, "minute": 48}
